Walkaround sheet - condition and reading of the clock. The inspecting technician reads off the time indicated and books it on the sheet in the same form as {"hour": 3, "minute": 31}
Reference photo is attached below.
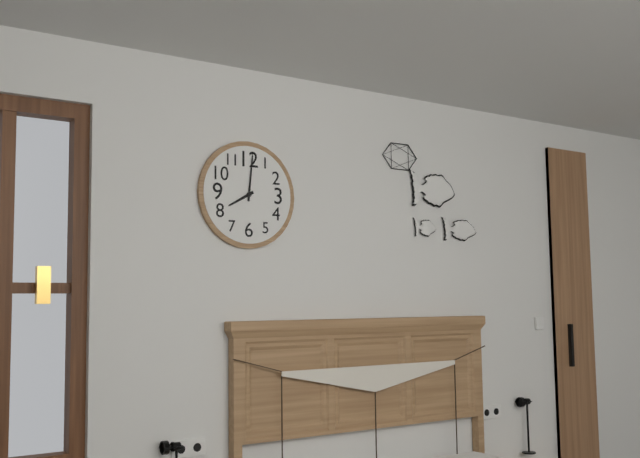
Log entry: {"hour": 8, "minute": 1}
